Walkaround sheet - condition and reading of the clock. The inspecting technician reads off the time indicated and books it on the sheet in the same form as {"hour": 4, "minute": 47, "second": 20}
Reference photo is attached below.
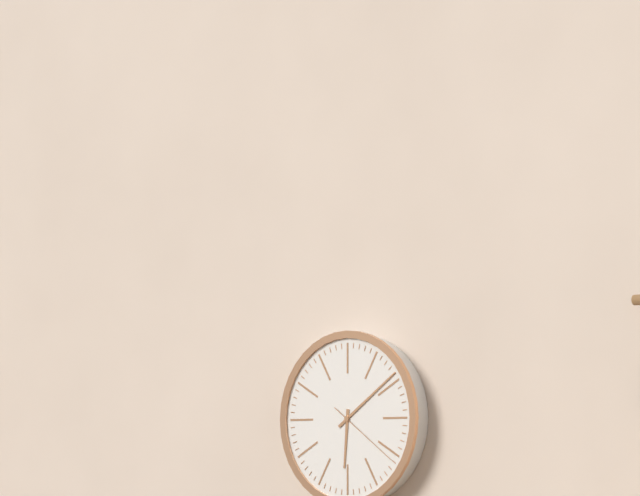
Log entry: {"hour": 6, "minute": 9, "second": 21}
